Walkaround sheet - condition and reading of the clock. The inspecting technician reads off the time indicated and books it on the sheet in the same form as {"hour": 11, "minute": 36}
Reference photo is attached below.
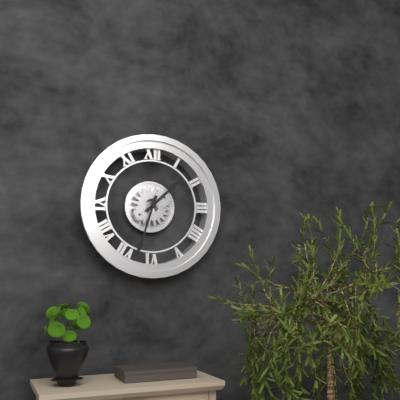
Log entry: {"hour": 1, "minute": 33}
